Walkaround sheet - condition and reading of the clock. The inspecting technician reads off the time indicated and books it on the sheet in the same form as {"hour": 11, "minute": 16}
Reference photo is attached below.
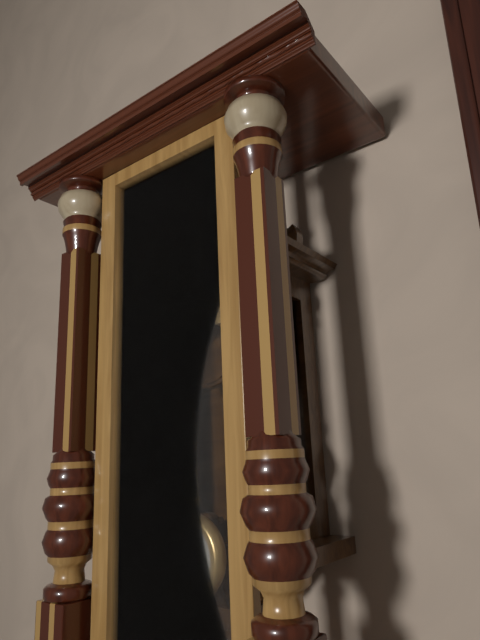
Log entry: {"hour": 6, "minute": 9}
